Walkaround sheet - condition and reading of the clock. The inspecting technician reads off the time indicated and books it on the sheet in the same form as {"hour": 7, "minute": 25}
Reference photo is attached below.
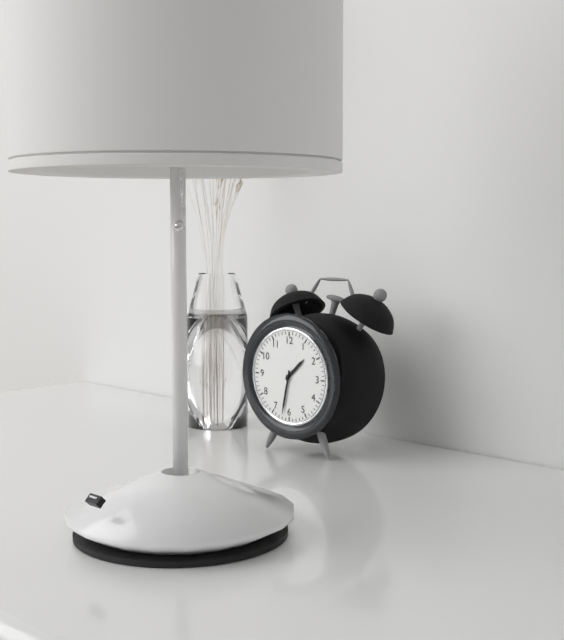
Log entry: {"hour": 1, "minute": 32}
